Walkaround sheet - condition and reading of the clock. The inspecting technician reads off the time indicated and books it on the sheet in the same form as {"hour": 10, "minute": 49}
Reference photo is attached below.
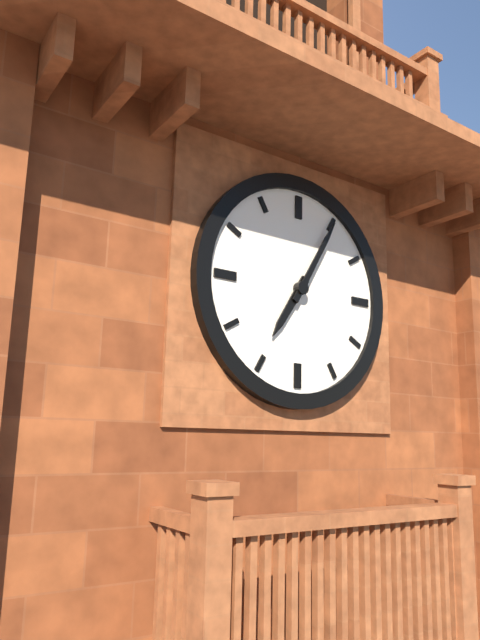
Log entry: {"hour": 7, "minute": 5}
